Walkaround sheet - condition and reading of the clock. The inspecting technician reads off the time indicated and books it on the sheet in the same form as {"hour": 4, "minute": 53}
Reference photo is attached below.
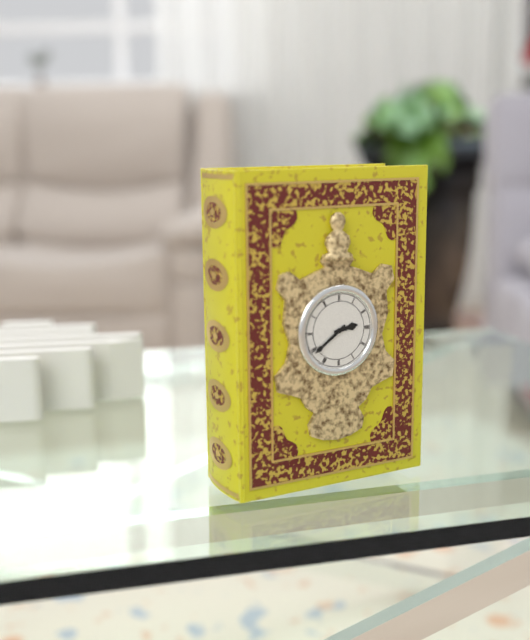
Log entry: {"hour": 2, "minute": 39}
